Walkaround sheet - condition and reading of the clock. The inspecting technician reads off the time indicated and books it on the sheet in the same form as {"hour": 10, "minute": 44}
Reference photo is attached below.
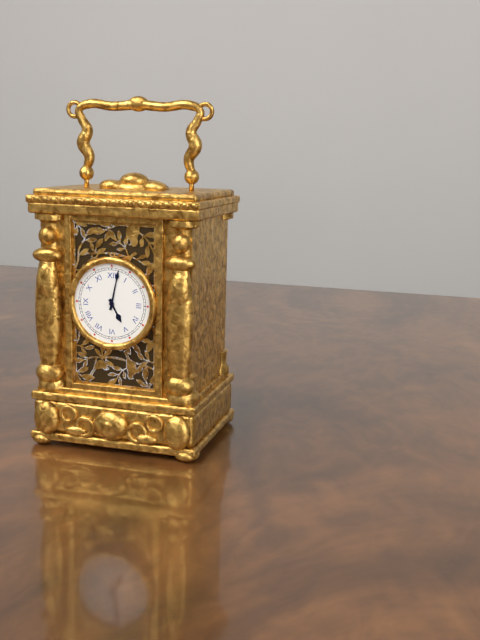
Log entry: {"hour": 5, "minute": 2}
